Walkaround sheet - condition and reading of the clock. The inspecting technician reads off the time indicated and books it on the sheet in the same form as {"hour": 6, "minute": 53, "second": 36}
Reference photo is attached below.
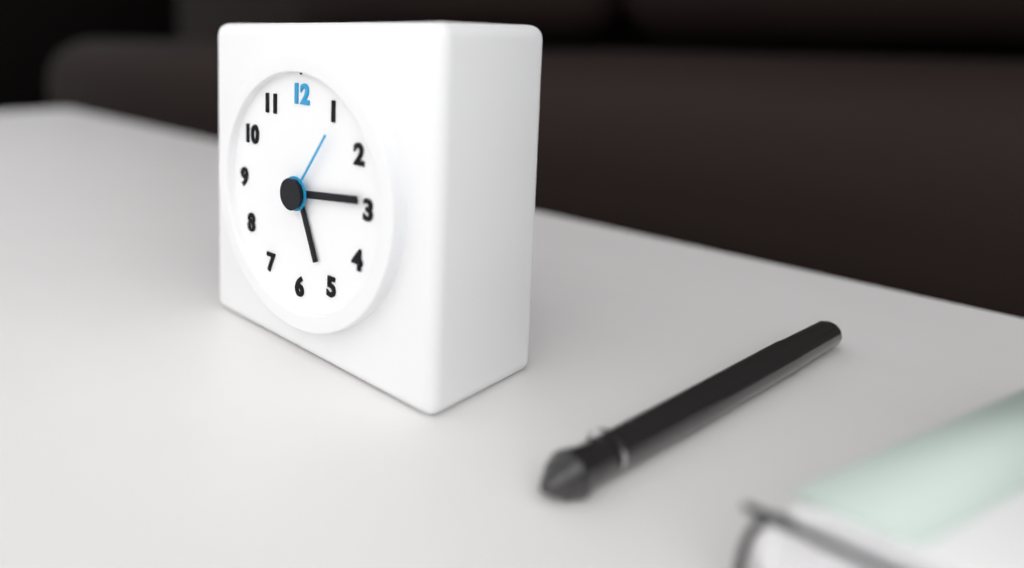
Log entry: {"hour": 5, "minute": 14, "second": 6}
